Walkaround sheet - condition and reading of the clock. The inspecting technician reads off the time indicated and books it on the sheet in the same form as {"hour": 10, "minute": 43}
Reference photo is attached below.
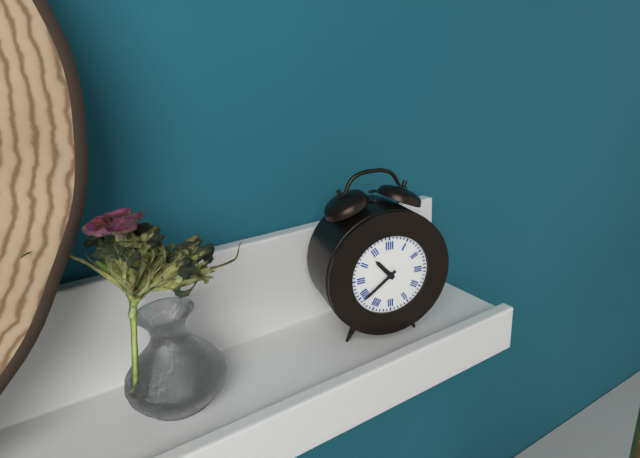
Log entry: {"hour": 10, "minute": 39}
